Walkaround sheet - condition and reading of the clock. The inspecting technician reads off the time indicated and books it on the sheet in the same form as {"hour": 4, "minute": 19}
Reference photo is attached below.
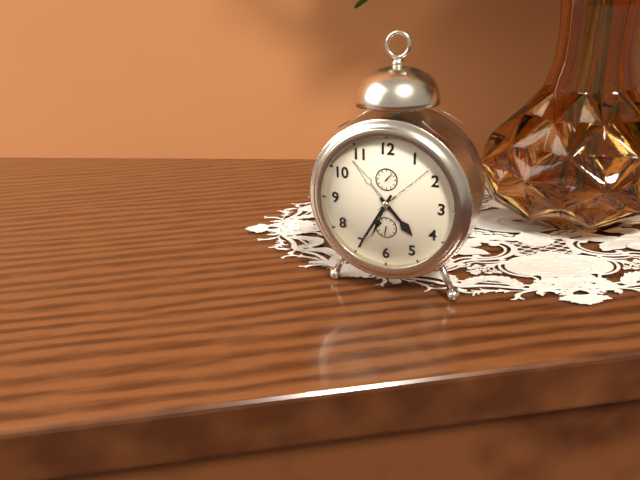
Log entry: {"hour": 4, "minute": 35}
